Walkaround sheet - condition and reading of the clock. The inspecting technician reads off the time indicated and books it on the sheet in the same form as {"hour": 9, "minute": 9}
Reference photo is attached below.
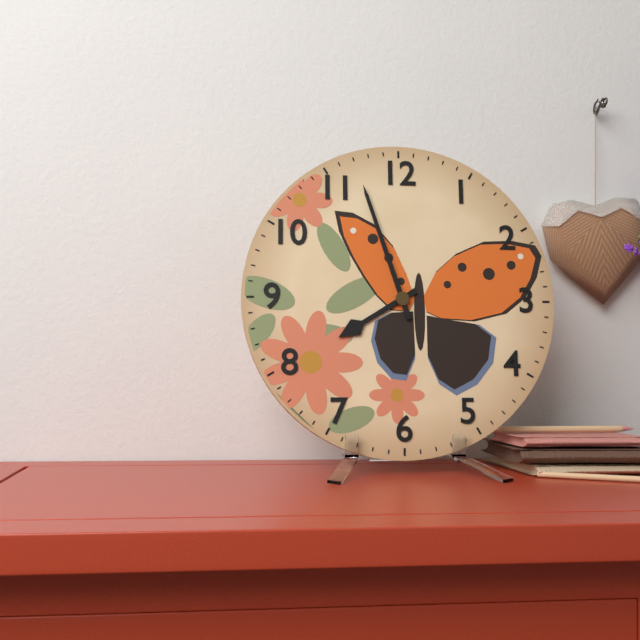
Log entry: {"hour": 7, "minute": 57}
